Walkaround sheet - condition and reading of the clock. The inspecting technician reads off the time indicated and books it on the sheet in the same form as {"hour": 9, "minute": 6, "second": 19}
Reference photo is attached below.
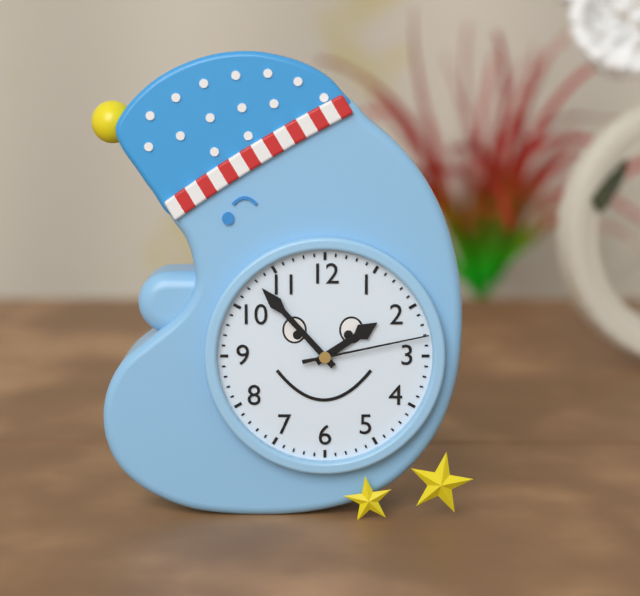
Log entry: {"hour": 1, "minute": 53, "second": 13}
